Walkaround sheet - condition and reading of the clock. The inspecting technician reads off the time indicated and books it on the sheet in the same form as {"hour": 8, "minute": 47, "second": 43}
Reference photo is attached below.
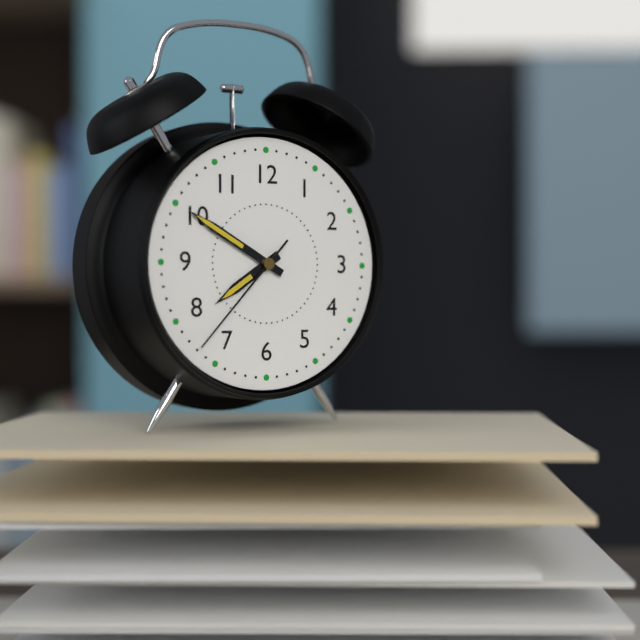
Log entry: {"hour": 7, "minute": 50, "second": 37}
